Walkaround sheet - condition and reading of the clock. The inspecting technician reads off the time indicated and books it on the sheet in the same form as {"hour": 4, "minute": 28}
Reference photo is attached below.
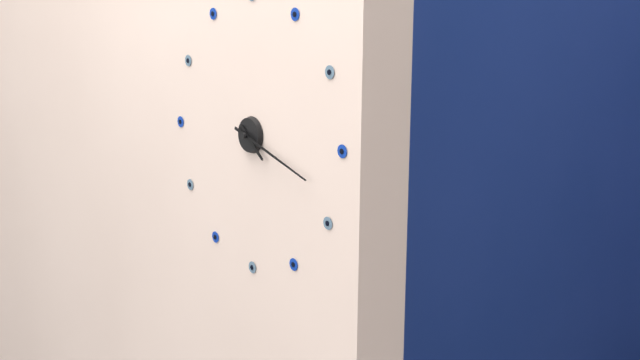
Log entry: {"hour": 4, "minute": 18}
